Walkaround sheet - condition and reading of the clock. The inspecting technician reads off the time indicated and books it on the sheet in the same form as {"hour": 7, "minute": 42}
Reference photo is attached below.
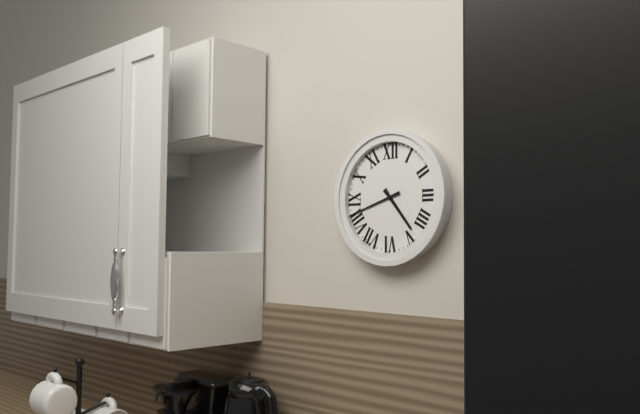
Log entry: {"hour": 4, "minute": 42}
